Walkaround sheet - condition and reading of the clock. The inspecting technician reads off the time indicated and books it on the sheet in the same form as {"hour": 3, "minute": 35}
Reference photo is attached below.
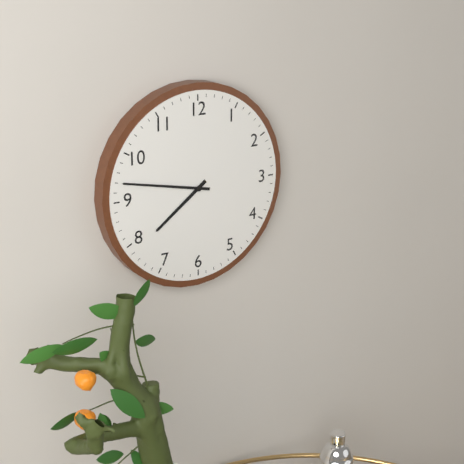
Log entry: {"hour": 7, "minute": 47}
